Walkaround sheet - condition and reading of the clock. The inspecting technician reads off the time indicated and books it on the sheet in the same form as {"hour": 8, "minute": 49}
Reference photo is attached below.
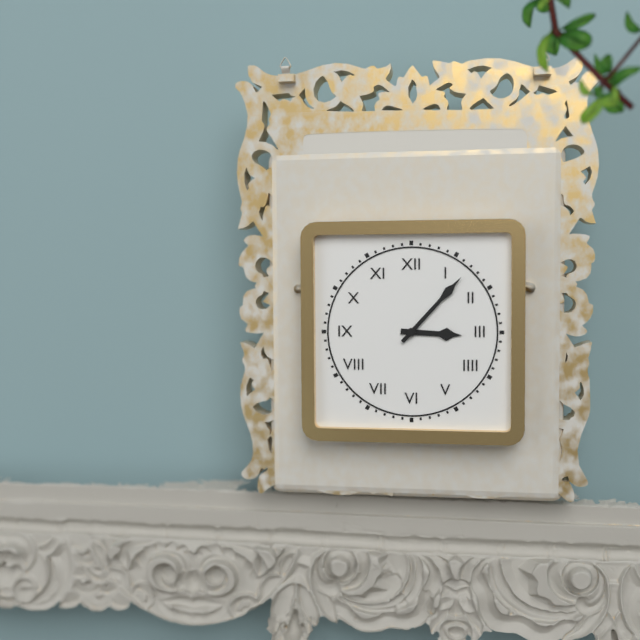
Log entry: {"hour": 3, "minute": 7}
